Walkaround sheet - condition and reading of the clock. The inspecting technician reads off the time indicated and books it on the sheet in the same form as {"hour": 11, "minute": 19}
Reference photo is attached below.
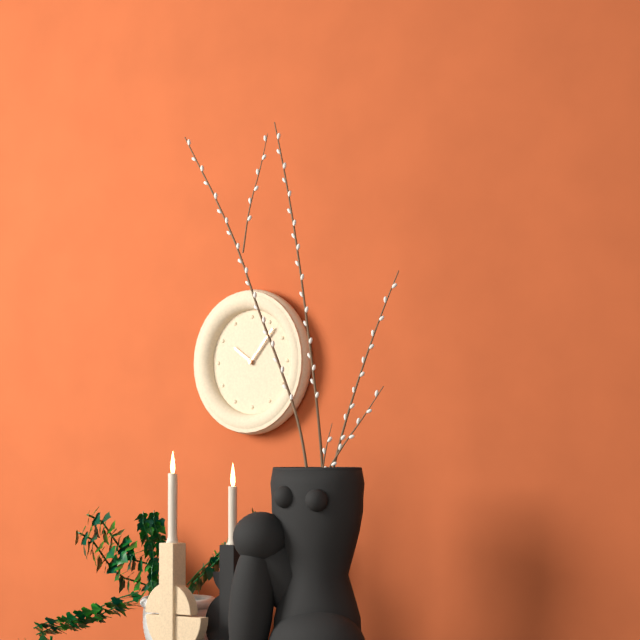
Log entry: {"hour": 10, "minute": 7}
